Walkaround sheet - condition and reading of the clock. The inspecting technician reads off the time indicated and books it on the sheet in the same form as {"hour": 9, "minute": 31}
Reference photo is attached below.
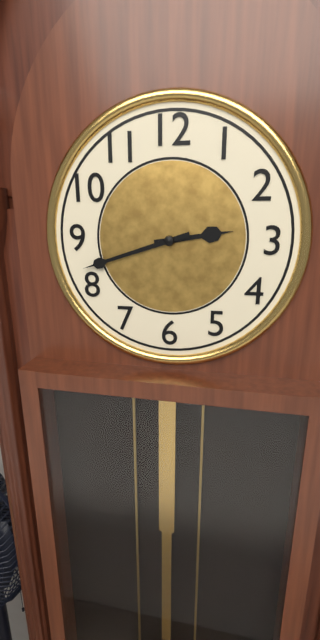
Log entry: {"hour": 2, "minute": 42}
